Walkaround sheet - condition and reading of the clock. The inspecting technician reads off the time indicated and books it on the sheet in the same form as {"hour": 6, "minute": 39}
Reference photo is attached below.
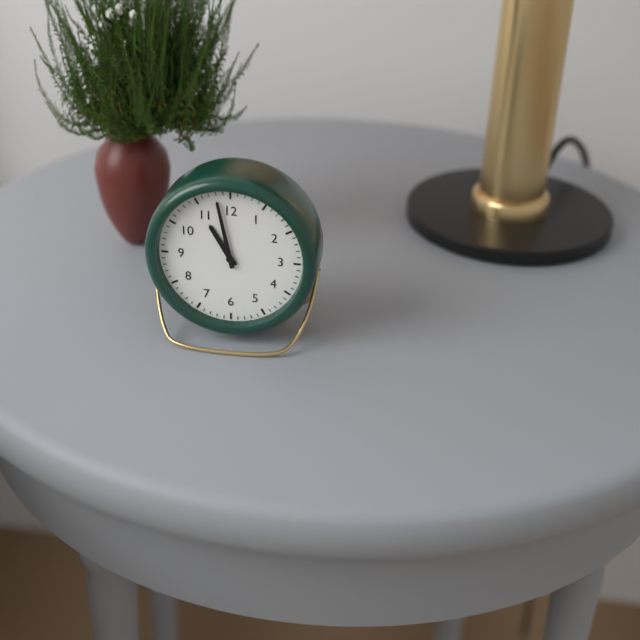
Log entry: {"hour": 10, "minute": 58}
